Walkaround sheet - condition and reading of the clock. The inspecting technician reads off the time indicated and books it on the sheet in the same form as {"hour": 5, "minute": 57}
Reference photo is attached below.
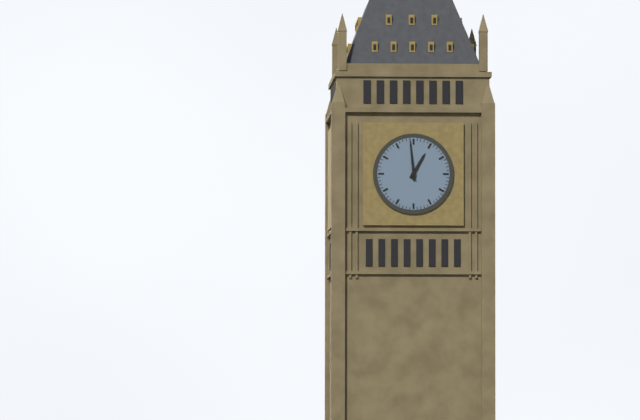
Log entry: {"hour": 12, "minute": 59}
